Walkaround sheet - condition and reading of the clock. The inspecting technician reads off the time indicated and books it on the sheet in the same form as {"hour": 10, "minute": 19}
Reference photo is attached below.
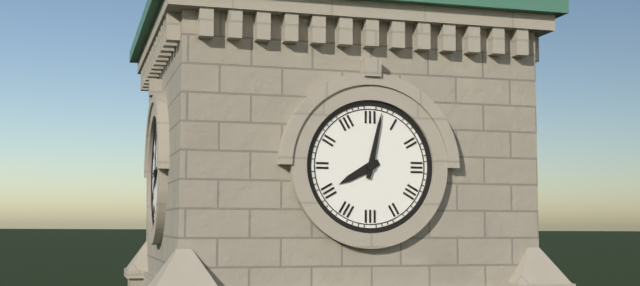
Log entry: {"hour": 8, "minute": 2}
